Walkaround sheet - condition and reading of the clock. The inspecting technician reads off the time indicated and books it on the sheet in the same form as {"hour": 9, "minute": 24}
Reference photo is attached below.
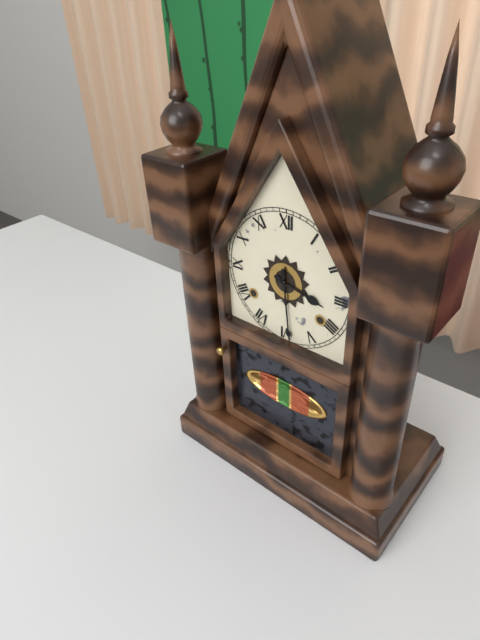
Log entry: {"hour": 3, "minute": 29}
